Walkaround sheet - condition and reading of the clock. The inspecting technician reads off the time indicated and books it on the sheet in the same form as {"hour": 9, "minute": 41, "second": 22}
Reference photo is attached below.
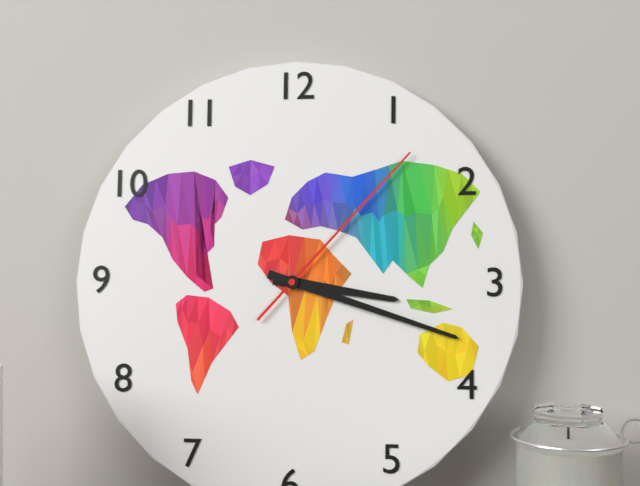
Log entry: {"hour": 3, "minute": 18, "second": 7}
